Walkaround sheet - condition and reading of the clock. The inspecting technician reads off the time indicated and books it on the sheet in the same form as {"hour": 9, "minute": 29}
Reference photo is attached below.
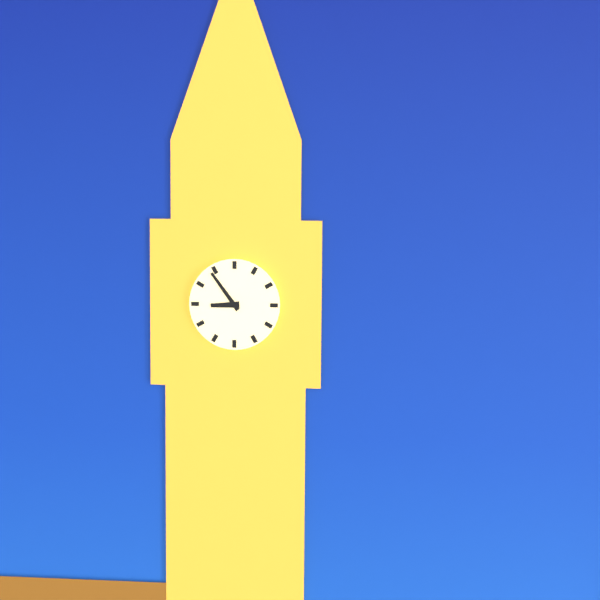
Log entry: {"hour": 8, "minute": 54}
